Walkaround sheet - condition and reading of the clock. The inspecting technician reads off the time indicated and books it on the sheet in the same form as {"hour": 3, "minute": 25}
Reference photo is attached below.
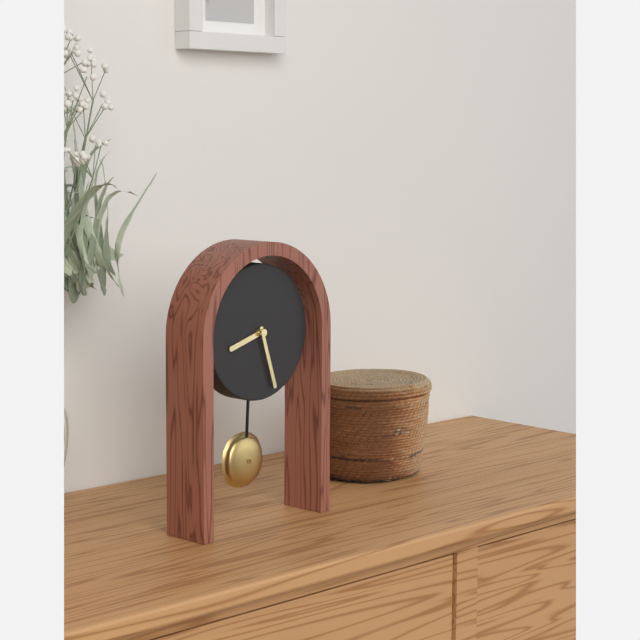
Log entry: {"hour": 8, "minute": 27}
